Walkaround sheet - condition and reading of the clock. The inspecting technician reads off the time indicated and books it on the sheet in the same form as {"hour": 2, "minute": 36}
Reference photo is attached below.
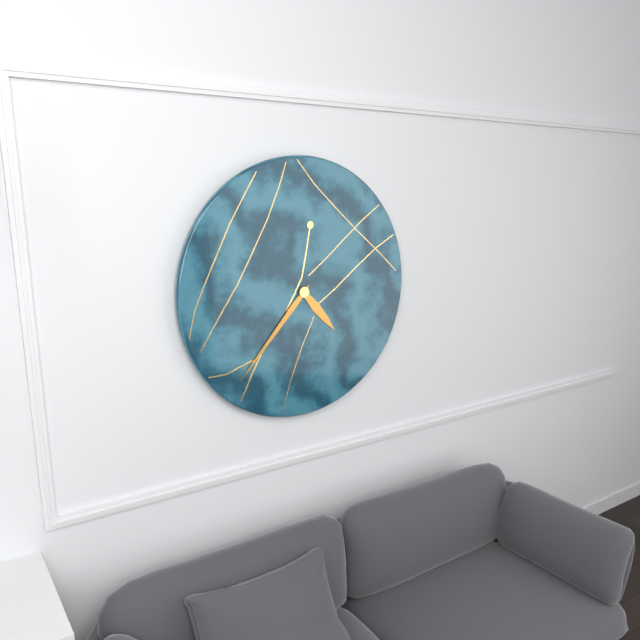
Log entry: {"hour": 4, "minute": 37}
